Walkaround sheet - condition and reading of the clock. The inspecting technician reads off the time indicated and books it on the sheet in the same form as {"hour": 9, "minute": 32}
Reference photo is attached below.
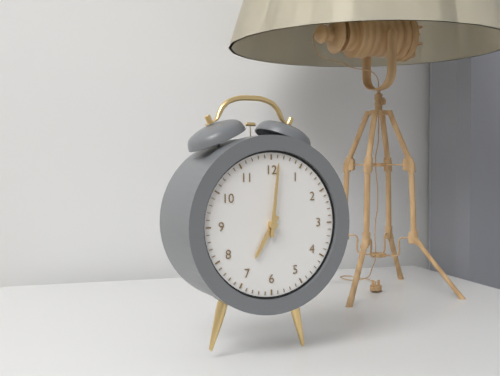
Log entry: {"hour": 7, "minute": 1}
